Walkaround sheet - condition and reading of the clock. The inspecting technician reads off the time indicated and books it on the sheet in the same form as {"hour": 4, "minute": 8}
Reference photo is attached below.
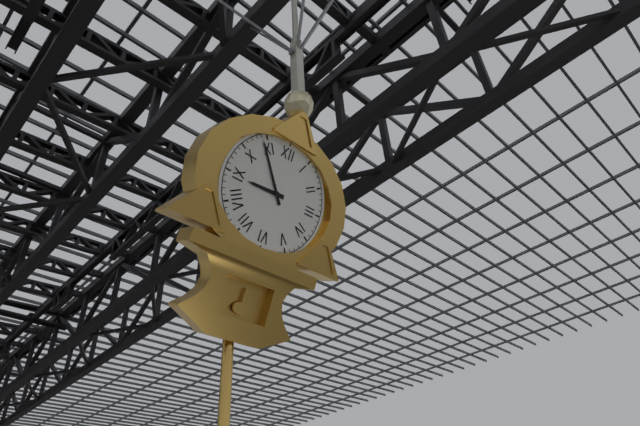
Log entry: {"hour": 8, "minute": 54}
